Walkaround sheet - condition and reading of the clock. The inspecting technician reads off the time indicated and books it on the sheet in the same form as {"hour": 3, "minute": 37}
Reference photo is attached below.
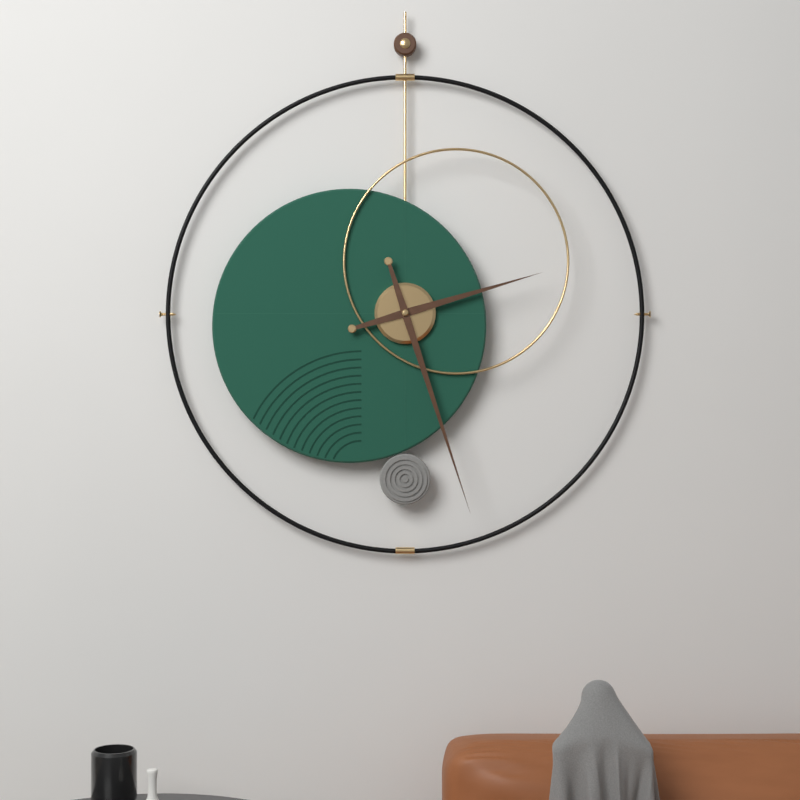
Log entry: {"hour": 2, "minute": 27}
